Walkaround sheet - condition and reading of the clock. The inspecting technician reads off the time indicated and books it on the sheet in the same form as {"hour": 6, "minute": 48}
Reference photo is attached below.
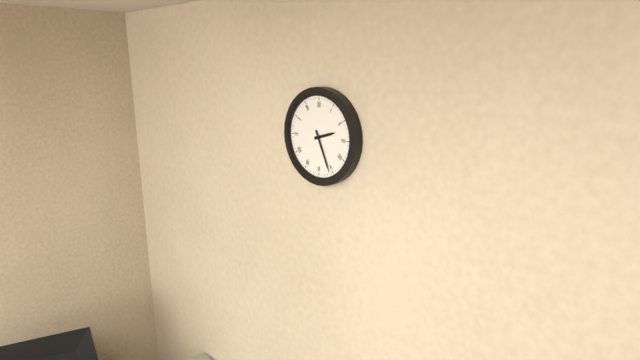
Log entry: {"hour": 2, "minute": 26}
